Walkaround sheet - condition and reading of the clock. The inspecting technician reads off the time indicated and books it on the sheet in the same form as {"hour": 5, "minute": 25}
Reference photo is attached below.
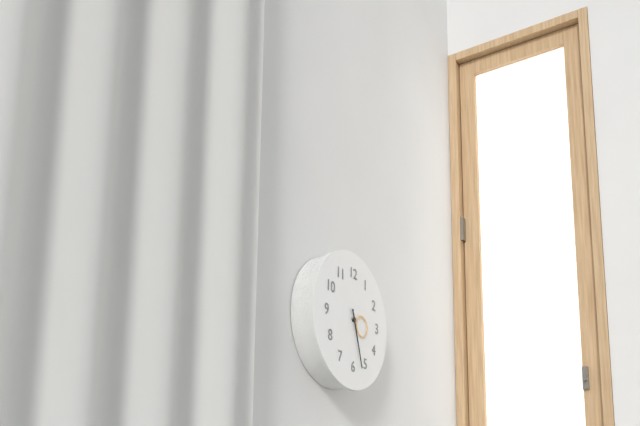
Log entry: {"hour": 3, "minute": 27}
